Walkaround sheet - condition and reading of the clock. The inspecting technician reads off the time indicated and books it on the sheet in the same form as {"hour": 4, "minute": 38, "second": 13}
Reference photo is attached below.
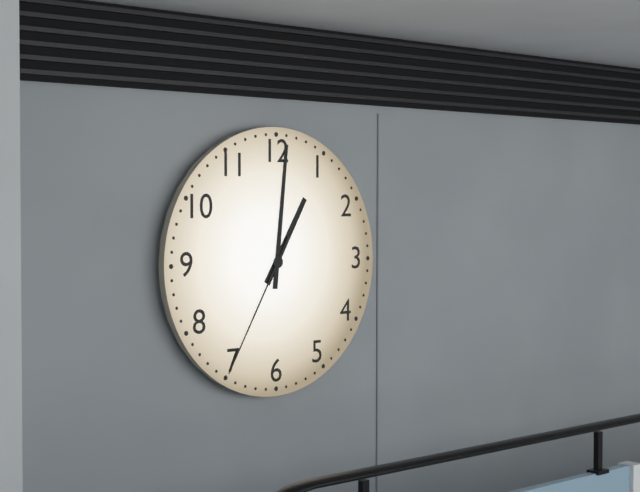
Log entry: {"hour": 1, "minute": 1, "second": 35}
